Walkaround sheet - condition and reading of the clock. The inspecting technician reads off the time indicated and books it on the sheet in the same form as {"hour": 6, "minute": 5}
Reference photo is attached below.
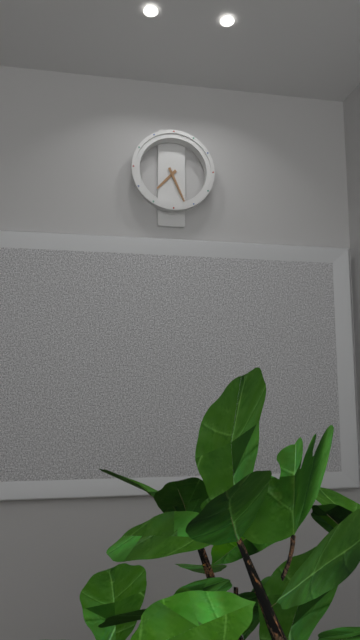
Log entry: {"hour": 7, "minute": 26}
